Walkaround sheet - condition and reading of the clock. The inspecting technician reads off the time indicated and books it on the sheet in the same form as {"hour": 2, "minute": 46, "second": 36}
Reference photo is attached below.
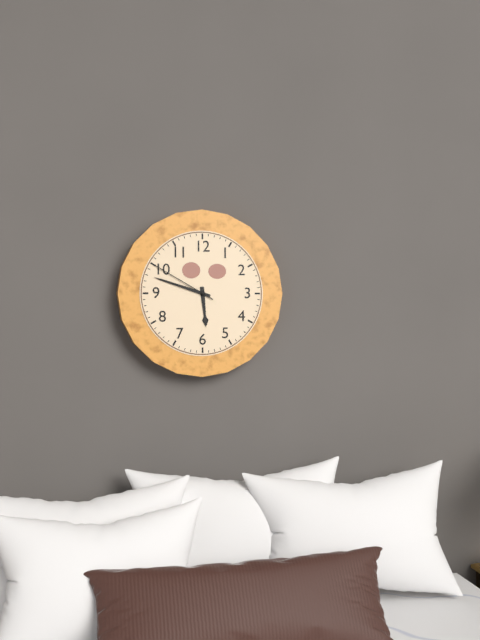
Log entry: {"hour": 5, "minute": 48, "second": 50}
